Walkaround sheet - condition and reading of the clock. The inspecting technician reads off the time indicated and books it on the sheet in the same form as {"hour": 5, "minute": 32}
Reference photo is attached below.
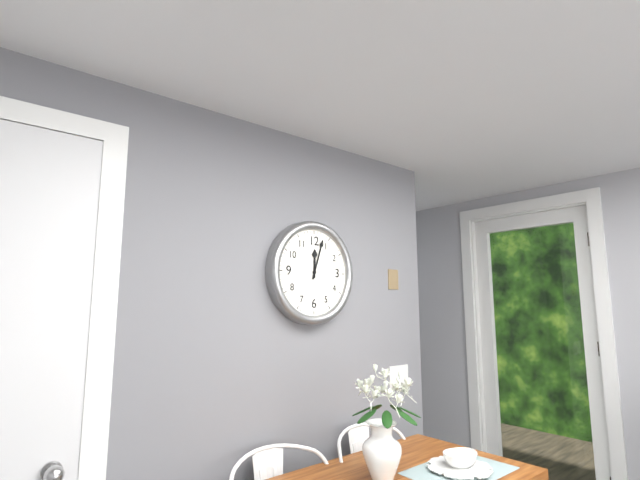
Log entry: {"hour": 12, "minute": 3}
